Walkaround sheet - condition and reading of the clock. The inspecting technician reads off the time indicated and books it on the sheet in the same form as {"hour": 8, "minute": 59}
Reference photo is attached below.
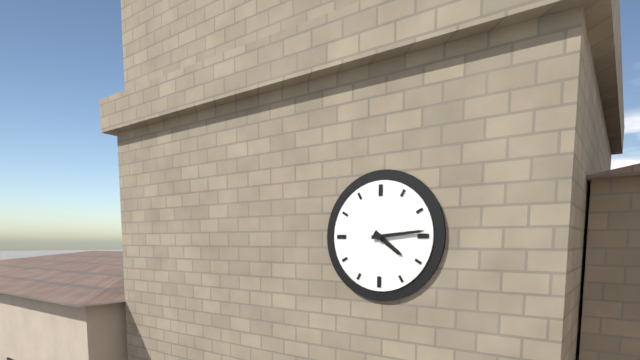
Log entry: {"hour": 4, "minute": 14}
